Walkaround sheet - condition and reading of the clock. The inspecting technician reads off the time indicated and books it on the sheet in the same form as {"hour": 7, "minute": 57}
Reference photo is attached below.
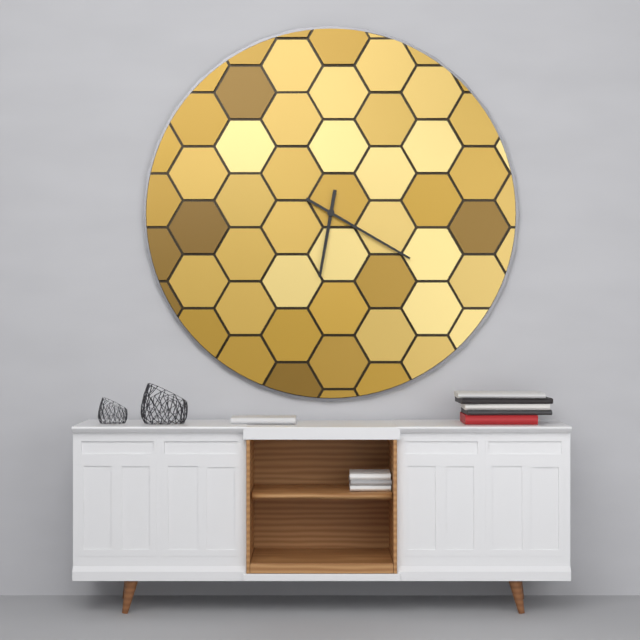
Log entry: {"hour": 6, "minute": 20}
